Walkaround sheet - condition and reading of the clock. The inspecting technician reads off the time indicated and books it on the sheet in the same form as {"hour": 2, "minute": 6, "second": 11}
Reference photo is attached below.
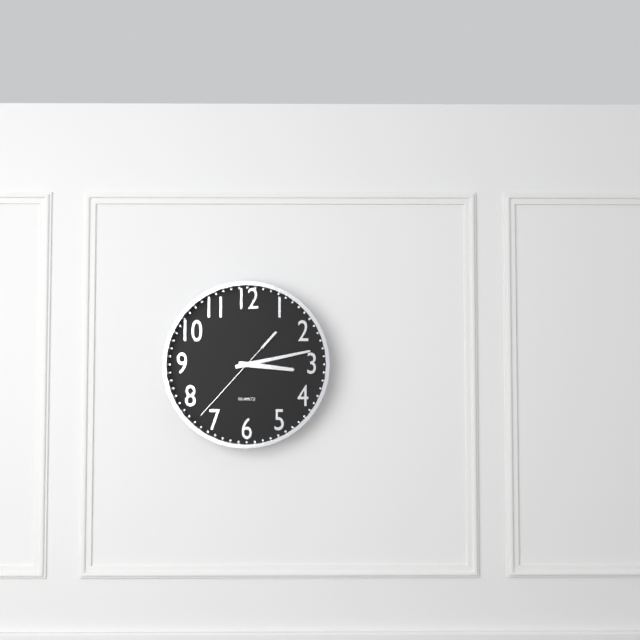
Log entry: {"hour": 3, "minute": 13, "second": 37}
